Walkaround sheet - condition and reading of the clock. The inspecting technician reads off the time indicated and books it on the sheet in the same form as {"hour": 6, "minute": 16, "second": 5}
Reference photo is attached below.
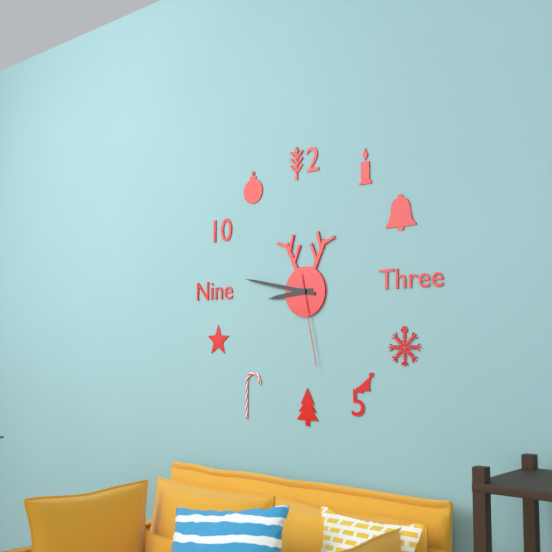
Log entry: {"hour": 8, "minute": 47, "second": 28}
